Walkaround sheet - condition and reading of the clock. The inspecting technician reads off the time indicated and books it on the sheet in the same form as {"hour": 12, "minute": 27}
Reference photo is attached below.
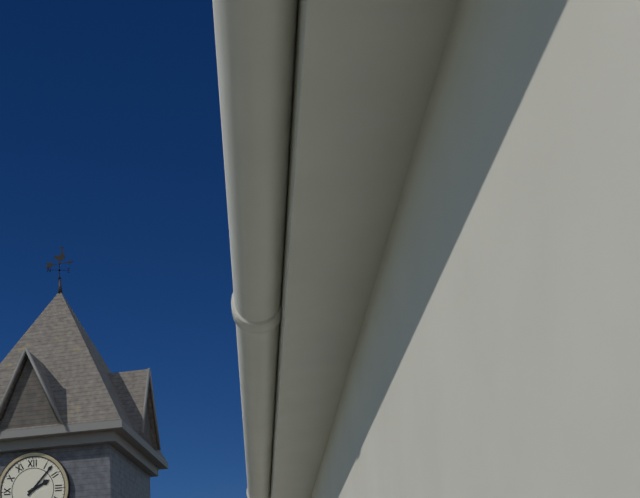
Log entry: {"hour": 2, "minute": 7}
